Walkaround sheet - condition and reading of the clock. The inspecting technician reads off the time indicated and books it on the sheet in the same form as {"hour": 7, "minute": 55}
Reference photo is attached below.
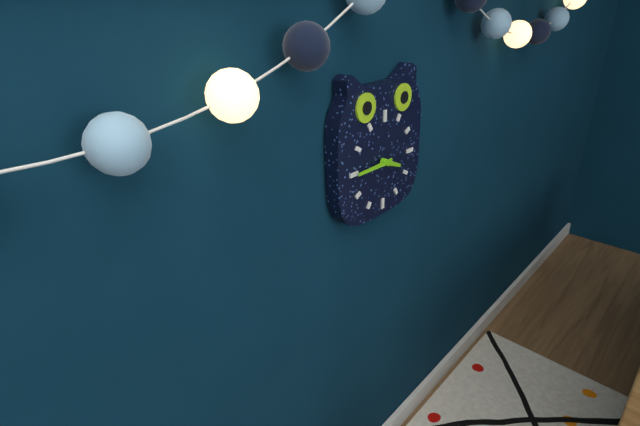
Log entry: {"hour": 3, "minute": 45}
